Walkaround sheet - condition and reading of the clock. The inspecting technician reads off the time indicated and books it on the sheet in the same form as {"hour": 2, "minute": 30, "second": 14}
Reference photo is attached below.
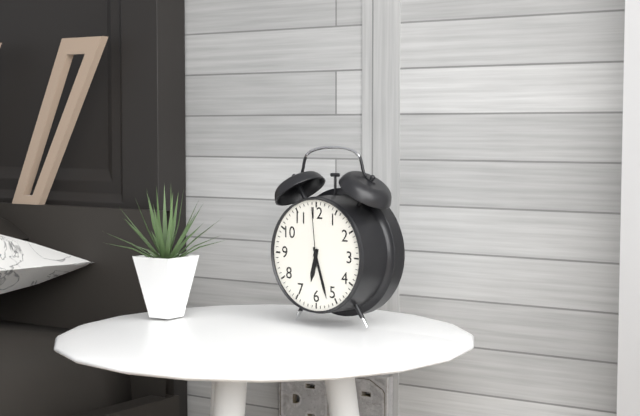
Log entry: {"hour": 6, "minute": 27, "second": 59}
